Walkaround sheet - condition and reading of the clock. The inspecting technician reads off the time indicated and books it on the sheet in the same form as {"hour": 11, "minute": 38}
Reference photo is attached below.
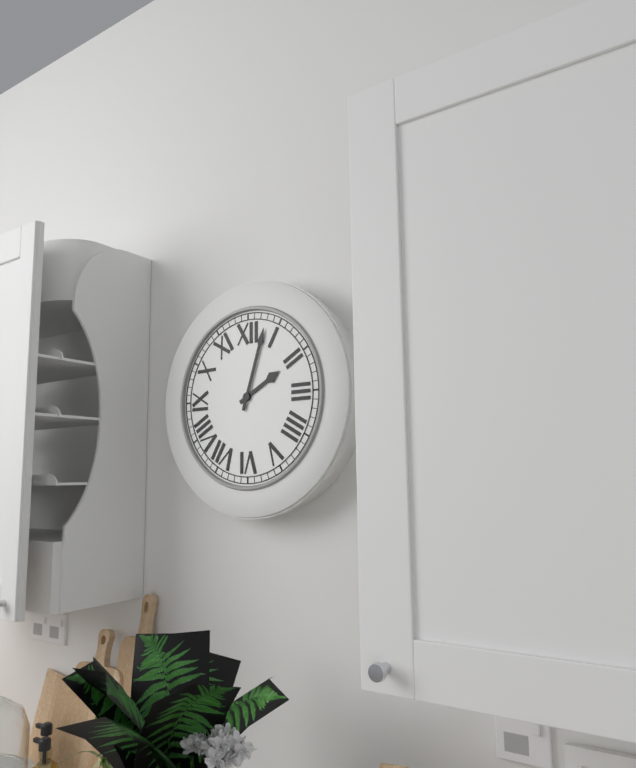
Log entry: {"hour": 2, "minute": 3}
